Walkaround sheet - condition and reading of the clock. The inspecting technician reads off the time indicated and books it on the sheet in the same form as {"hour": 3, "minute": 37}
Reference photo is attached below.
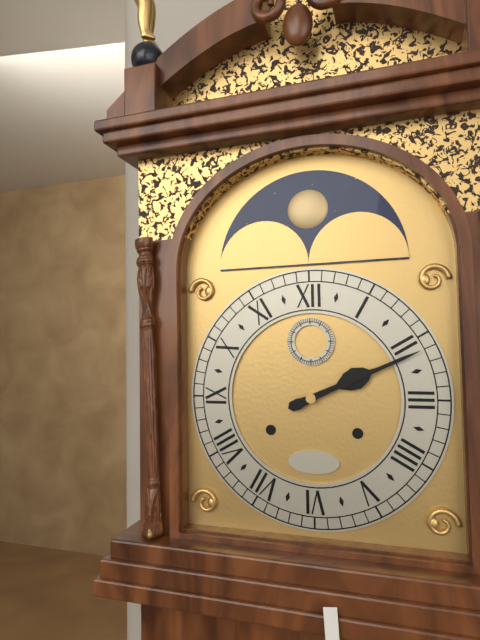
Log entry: {"hour": 2, "minute": 11}
